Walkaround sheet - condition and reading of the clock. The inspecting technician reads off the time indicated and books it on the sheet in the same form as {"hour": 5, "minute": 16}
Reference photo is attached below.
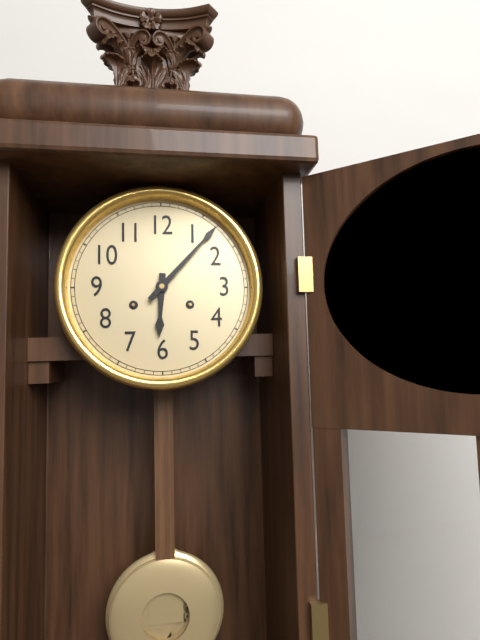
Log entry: {"hour": 6, "minute": 7}
